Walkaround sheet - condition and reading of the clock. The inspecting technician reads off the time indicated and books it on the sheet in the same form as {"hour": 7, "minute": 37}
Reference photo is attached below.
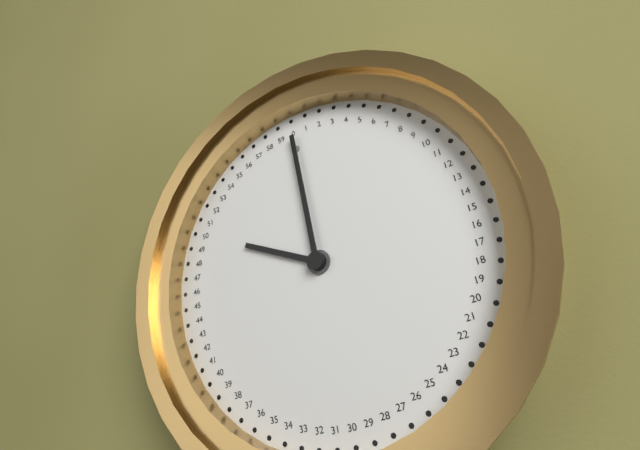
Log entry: {"hour": 10, "minute": 0}
